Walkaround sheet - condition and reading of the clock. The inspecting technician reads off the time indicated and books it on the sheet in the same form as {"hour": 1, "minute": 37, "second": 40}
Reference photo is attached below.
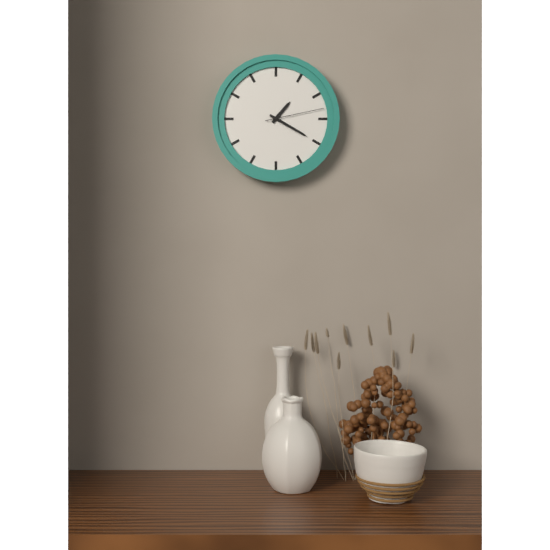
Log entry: {"hour": 1, "minute": 20, "second": 13}
